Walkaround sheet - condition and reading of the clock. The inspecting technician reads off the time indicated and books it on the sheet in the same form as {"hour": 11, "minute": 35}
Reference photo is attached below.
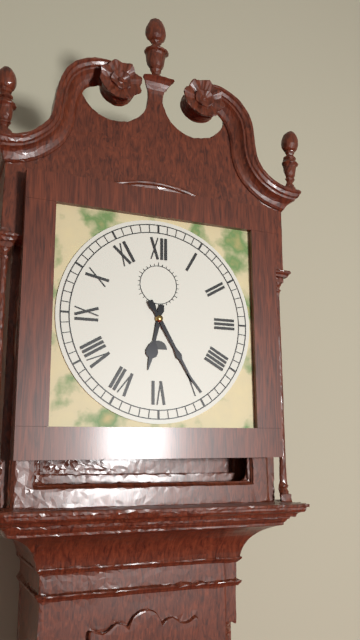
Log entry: {"hour": 6, "minute": 25}
